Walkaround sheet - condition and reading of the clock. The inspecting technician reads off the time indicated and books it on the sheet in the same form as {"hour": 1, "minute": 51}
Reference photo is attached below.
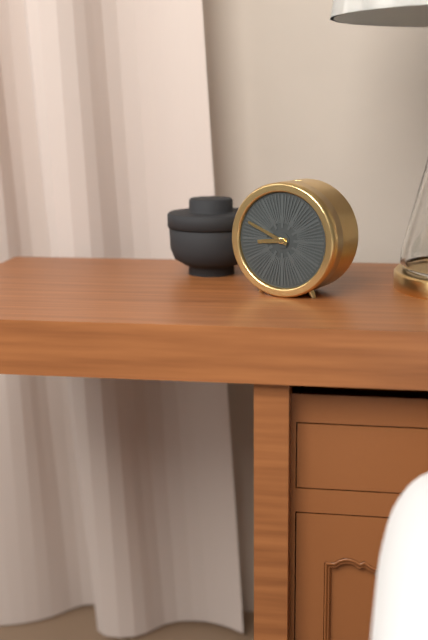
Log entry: {"hour": 8, "minute": 49}
